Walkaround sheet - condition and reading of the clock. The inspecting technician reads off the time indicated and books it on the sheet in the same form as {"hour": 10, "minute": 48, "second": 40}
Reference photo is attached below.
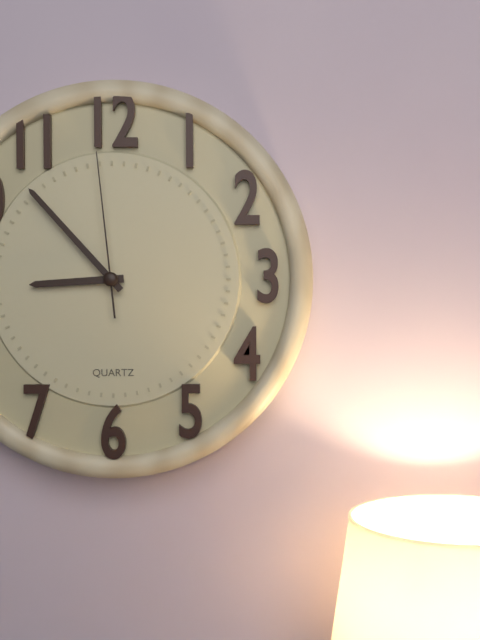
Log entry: {"hour": 8, "minute": 53, "second": 59}
